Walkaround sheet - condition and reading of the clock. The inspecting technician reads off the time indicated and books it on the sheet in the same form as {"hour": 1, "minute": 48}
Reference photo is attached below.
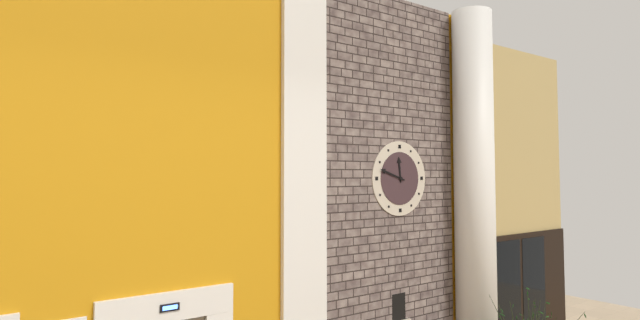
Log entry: {"hour": 11, "minute": 48}
